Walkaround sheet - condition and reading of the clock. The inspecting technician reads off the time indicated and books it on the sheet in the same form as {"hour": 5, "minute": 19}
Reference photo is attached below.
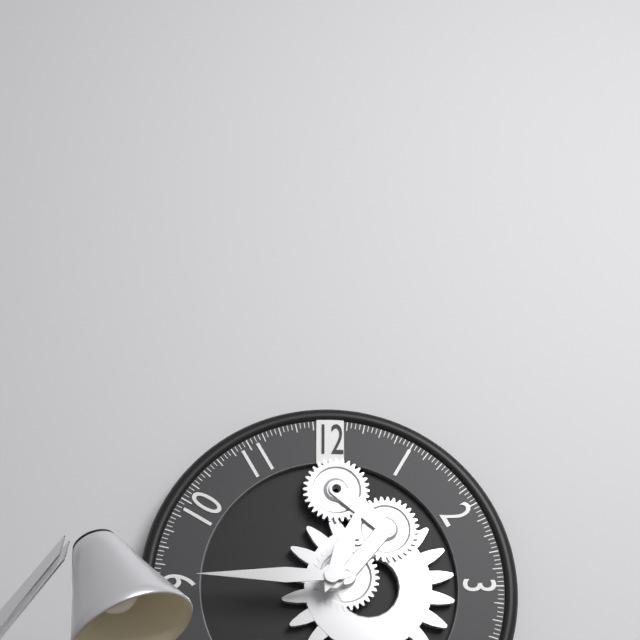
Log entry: {"hour": 12, "minute": 45}
